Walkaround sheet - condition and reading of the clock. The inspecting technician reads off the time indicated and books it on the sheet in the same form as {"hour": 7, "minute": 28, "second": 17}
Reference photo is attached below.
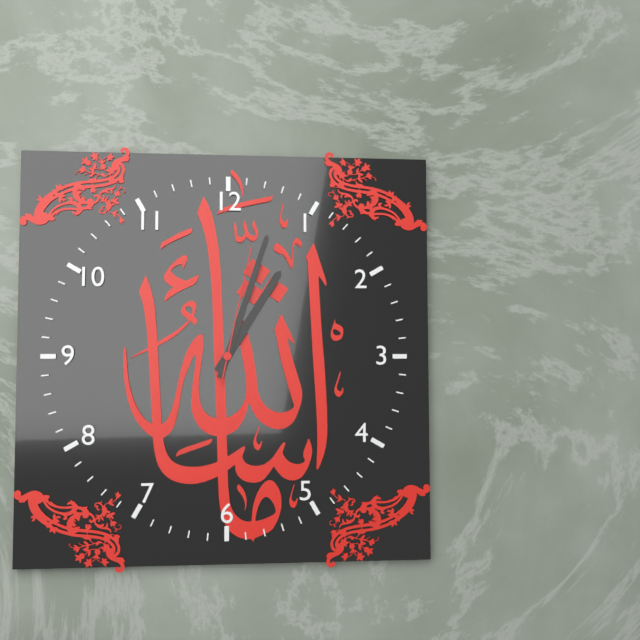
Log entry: {"hour": 1, "minute": 3, "second": 2}
